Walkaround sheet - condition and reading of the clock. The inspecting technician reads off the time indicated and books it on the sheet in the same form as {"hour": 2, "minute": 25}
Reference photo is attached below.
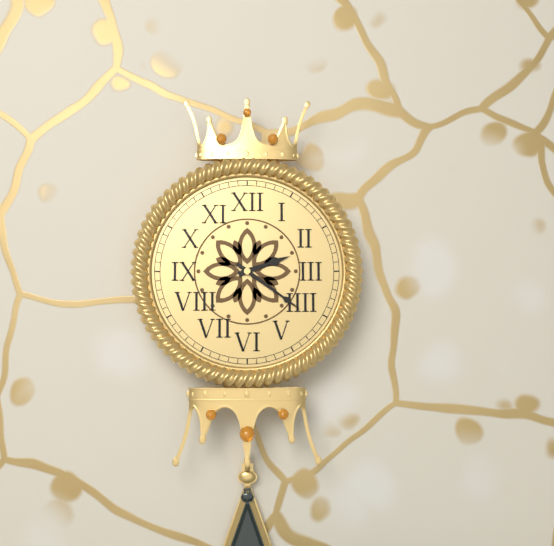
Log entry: {"hour": 2, "minute": 21}
